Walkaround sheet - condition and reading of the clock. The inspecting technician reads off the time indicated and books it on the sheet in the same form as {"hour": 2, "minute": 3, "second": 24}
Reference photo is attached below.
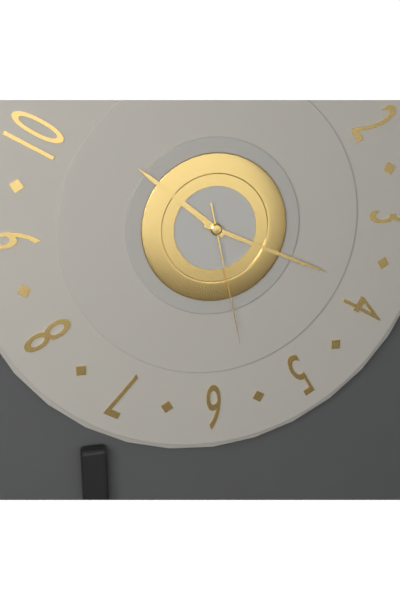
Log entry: {"hour": 10, "minute": 19, "second": 28}
